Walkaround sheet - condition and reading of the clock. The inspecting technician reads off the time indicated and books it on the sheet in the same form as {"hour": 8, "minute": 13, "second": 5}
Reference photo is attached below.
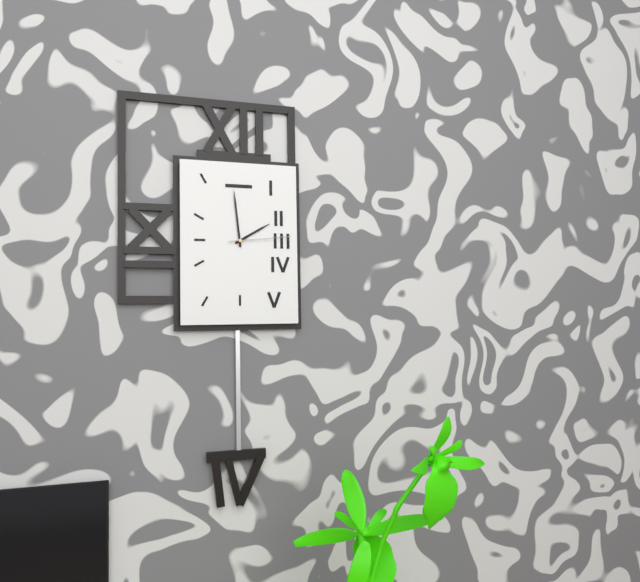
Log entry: {"hour": 1, "minute": 59, "second": 14}
